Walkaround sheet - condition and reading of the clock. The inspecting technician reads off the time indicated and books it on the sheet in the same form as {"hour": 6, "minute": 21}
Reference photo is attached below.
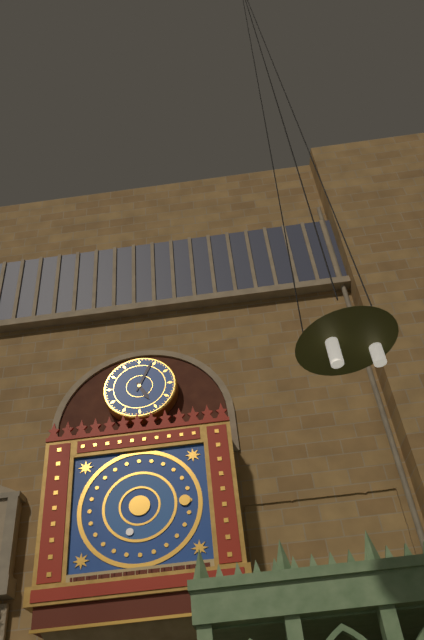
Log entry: {"hour": 5, "minute": 4}
